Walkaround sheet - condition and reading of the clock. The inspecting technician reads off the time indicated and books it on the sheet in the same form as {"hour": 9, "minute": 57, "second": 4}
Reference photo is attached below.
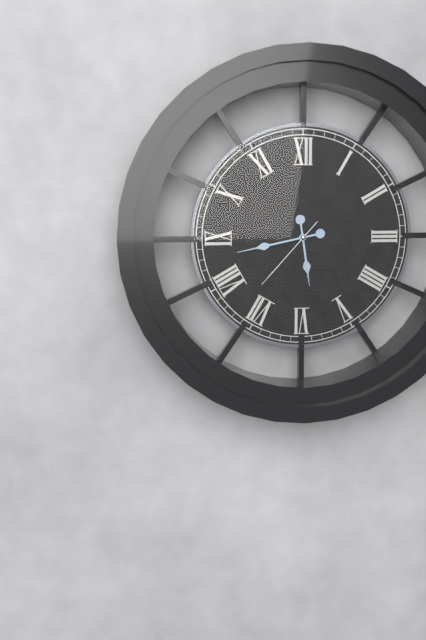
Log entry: {"hour": 5, "minute": 43, "second": 37}
